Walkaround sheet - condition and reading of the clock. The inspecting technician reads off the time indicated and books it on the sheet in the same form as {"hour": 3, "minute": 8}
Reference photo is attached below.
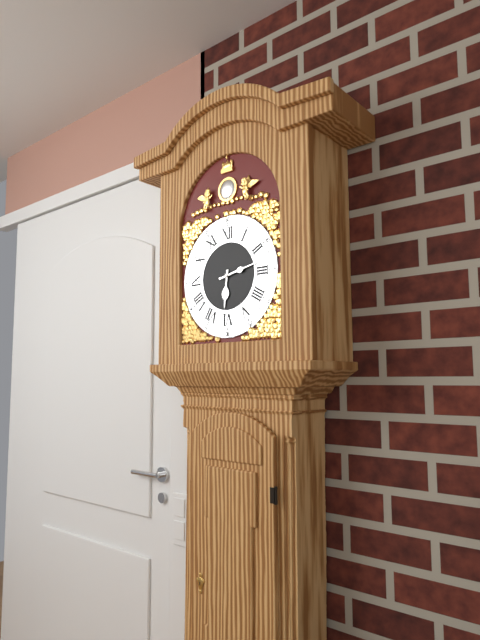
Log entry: {"hour": 6, "minute": 13}
